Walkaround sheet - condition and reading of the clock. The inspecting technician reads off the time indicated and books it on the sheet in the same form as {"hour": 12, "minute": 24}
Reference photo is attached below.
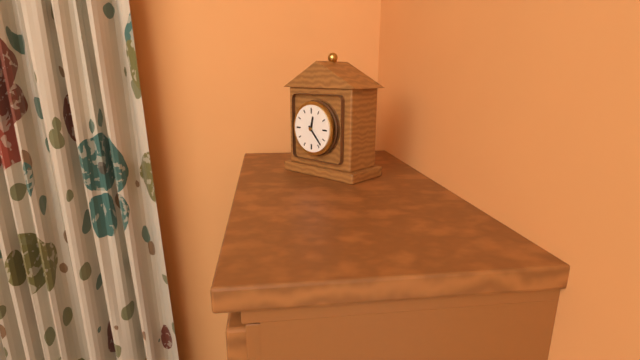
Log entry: {"hour": 12, "minute": 23}
